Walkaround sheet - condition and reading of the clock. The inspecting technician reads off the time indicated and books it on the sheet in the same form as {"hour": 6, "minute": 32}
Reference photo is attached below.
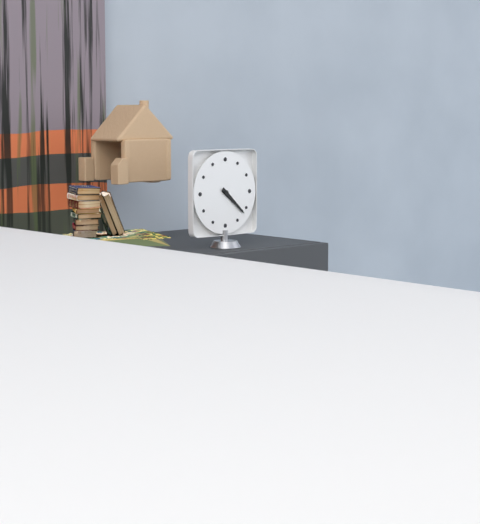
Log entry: {"hour": 4, "minute": 22}
